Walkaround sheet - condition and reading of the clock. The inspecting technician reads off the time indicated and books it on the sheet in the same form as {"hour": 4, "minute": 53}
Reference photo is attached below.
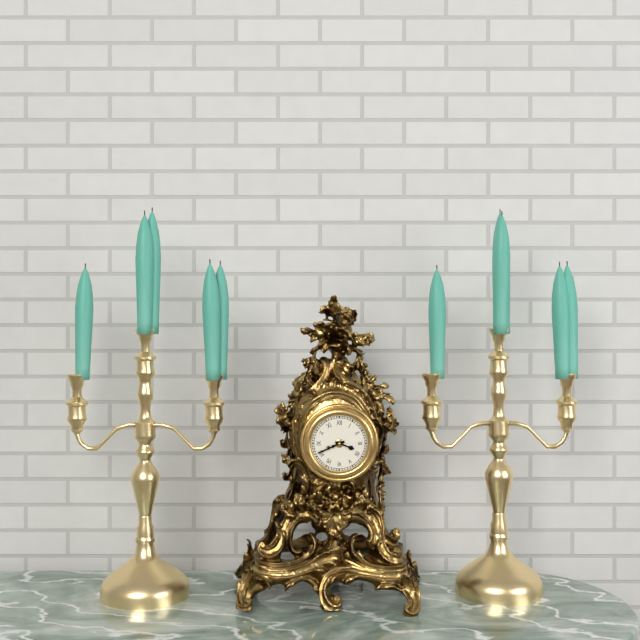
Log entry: {"hour": 3, "minute": 41}
